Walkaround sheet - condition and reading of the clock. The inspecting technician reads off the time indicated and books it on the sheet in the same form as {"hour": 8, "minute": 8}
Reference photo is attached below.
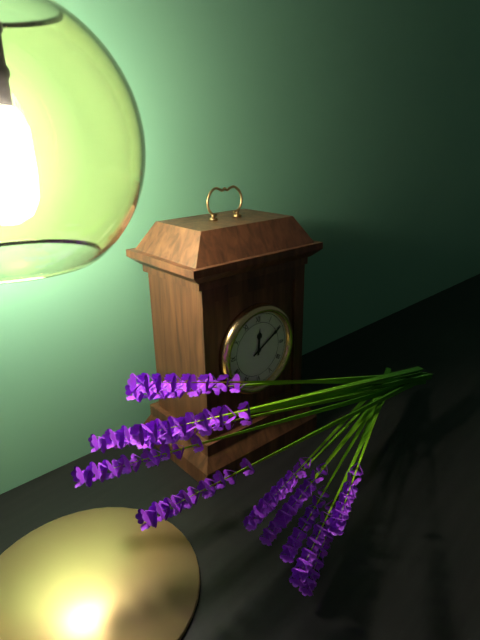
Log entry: {"hour": 12, "minute": 10}
